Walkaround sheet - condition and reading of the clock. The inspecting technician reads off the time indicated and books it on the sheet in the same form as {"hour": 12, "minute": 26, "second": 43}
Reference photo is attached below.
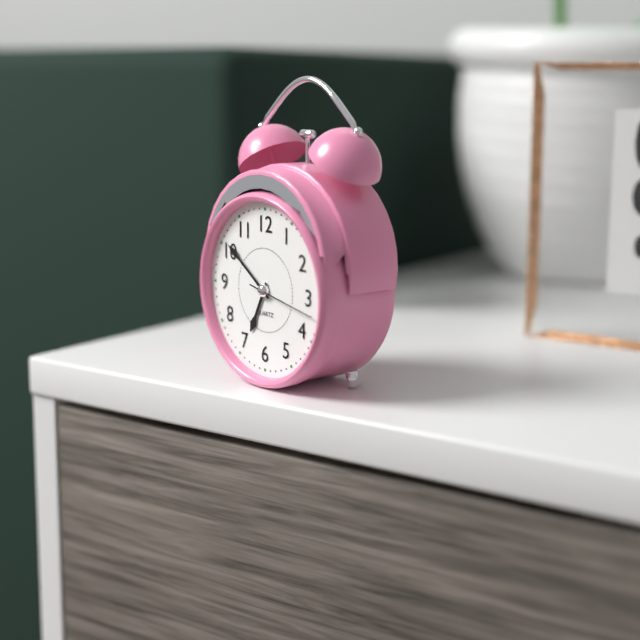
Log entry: {"hour": 6, "minute": 51, "second": 17}
